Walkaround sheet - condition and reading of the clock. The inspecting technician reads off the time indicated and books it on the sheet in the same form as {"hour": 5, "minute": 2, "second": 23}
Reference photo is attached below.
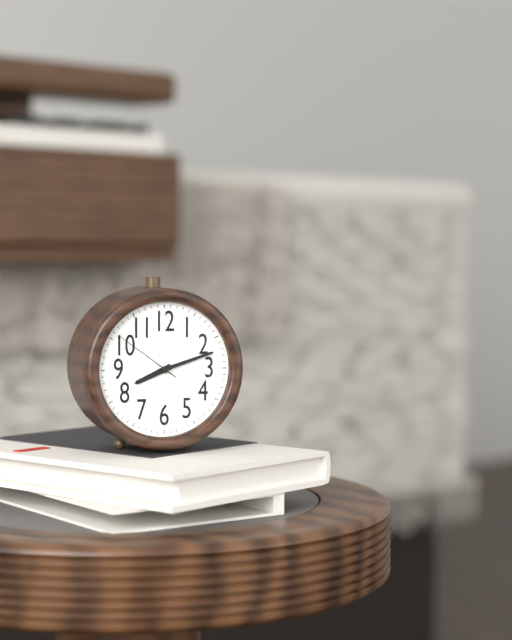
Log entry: {"hour": 8, "minute": 12, "second": 51}
